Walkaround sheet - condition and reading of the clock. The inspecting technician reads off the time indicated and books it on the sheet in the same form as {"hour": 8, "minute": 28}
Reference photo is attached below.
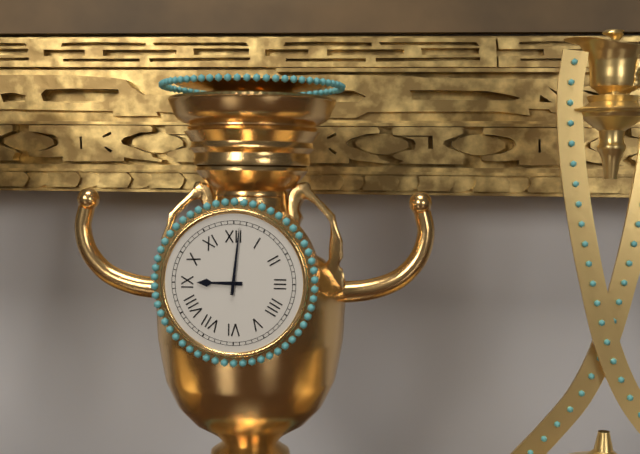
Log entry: {"hour": 9, "minute": 1}
